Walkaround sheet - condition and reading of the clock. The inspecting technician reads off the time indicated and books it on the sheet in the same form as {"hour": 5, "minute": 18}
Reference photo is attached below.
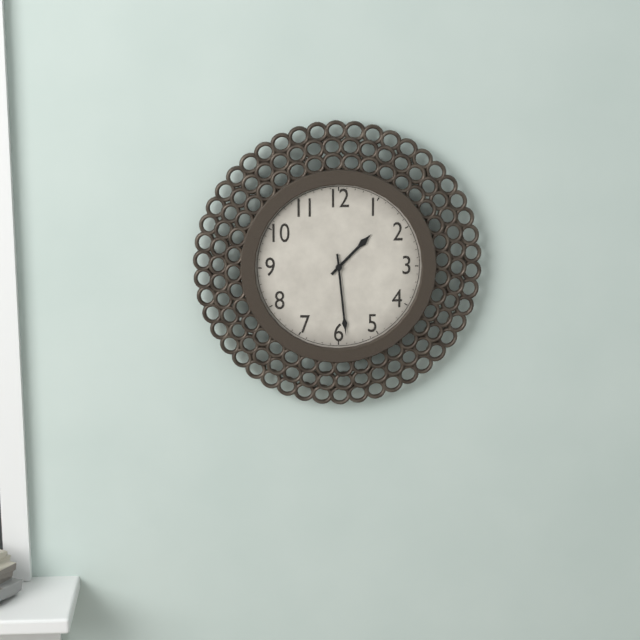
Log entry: {"hour": 1, "minute": 29}
